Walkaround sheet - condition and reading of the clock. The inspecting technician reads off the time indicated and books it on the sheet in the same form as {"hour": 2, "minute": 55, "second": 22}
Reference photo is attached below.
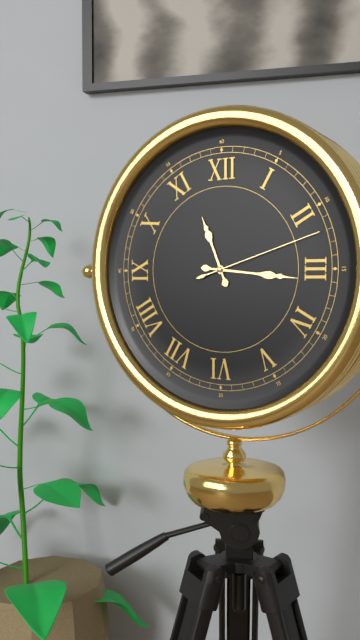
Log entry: {"hour": 11, "minute": 16, "second": 12}
